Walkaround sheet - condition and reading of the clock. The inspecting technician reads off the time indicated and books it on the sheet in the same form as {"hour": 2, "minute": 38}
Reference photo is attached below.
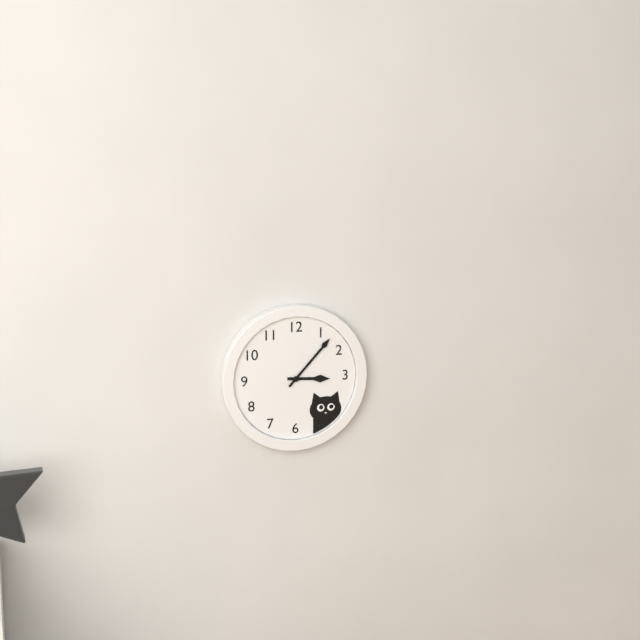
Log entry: {"hour": 3, "minute": 7}
